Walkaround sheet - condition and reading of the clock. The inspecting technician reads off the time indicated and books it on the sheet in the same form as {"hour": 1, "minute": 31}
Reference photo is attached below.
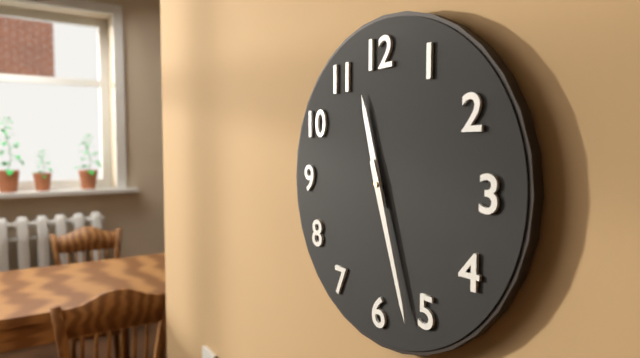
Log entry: {"hour": 11, "minute": 27}
